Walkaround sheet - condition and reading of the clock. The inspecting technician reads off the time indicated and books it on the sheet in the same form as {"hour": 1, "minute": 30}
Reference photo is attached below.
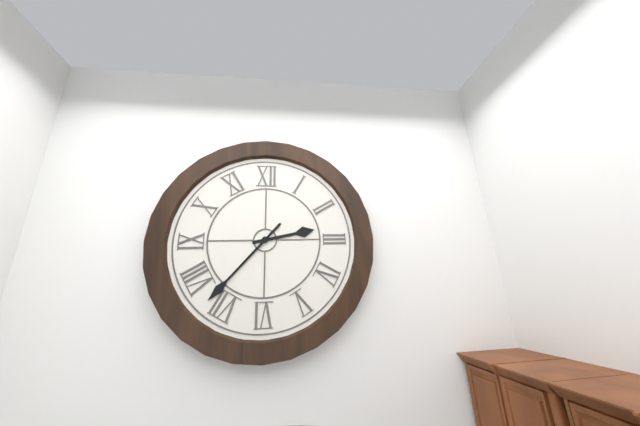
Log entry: {"hour": 2, "minute": 37}
